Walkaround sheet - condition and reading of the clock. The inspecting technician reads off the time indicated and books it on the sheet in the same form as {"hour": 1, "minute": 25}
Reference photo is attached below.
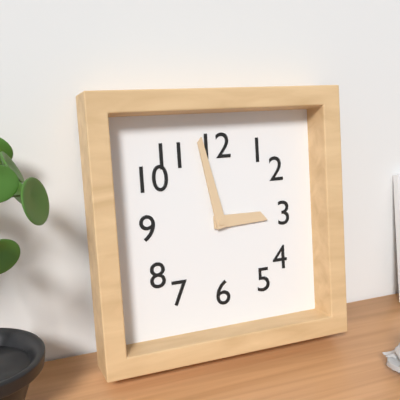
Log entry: {"hour": 2, "minute": 58}
